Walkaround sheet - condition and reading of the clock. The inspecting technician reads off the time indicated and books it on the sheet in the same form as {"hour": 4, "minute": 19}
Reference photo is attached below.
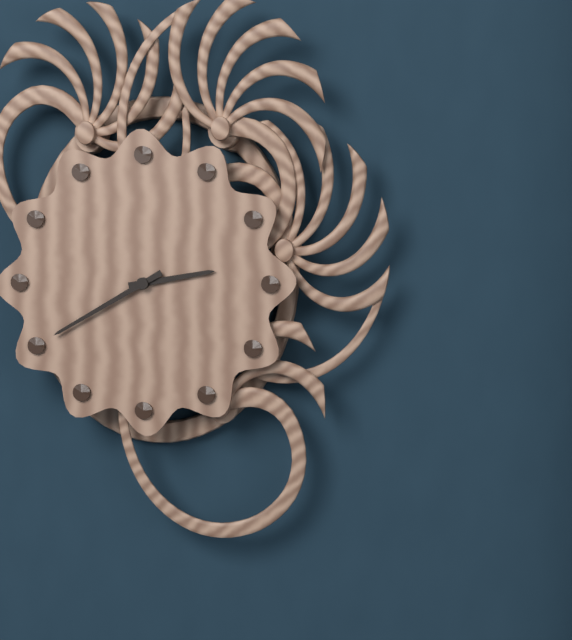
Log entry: {"hour": 2, "minute": 40}
